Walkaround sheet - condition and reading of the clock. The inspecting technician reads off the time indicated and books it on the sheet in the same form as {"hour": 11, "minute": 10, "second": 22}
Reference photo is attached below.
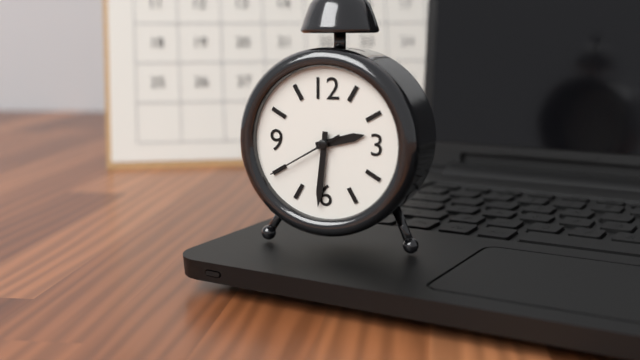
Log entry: {"hour": 2, "minute": 31, "second": 40}
